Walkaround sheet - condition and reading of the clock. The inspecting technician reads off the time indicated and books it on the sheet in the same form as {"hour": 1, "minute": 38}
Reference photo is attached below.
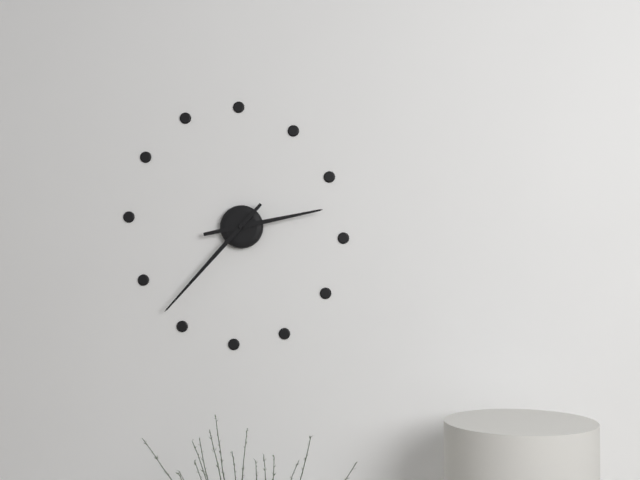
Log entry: {"hour": 2, "minute": 37}
